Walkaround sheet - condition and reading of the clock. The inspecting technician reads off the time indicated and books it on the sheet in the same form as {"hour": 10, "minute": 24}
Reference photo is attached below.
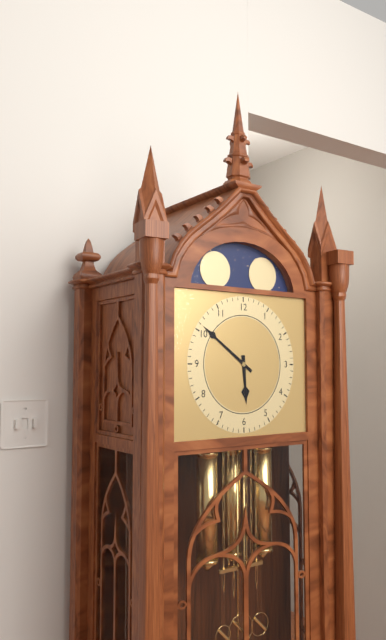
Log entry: {"hour": 5, "minute": 51}
